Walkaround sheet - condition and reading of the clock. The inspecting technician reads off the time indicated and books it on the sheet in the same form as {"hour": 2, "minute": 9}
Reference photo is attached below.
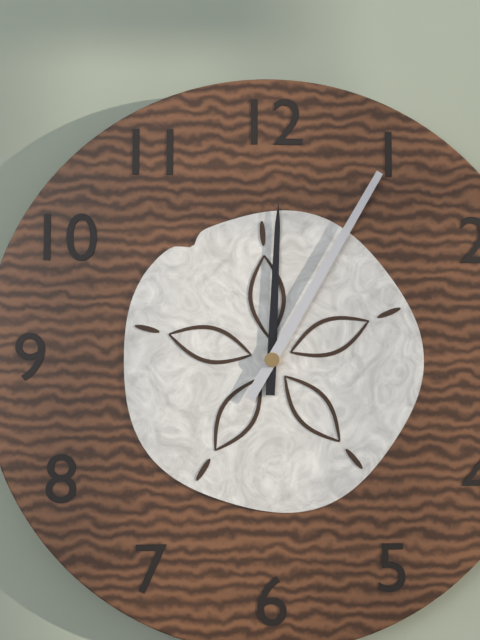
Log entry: {"hour": 12, "minute": 5}
